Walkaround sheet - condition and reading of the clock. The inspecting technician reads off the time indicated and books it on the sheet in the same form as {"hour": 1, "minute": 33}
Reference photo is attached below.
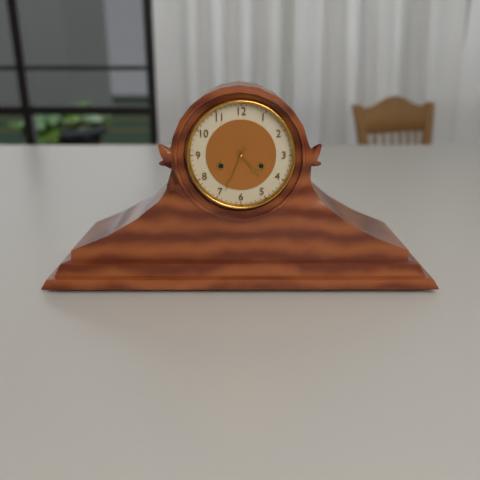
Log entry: {"hour": 4, "minute": 34}
